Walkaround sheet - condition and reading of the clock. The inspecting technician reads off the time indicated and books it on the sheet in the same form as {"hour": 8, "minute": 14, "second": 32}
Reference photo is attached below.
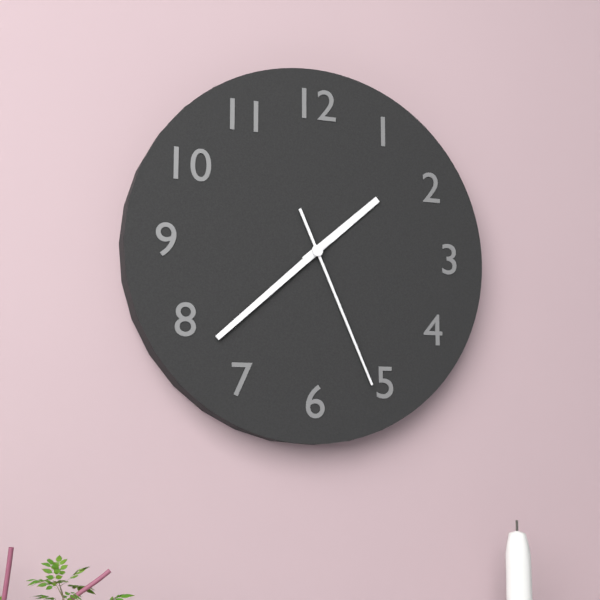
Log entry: {"hour": 1, "minute": 38, "second": 26}
